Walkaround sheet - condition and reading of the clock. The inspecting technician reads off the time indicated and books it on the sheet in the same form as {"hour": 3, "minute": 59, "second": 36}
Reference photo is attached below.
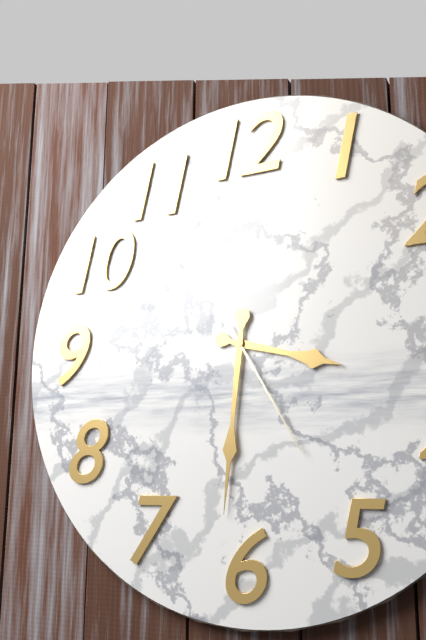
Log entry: {"hour": 3, "minute": 31, "second": 25}
